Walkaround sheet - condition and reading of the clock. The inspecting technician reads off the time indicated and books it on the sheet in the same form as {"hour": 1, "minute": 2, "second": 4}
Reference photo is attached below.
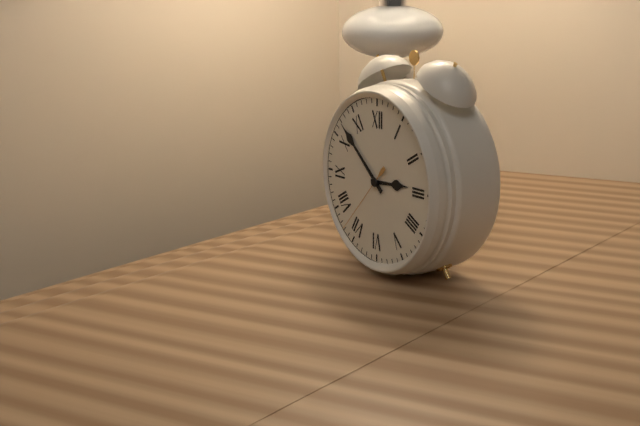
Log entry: {"hour": 2, "minute": 52, "second": 37}
